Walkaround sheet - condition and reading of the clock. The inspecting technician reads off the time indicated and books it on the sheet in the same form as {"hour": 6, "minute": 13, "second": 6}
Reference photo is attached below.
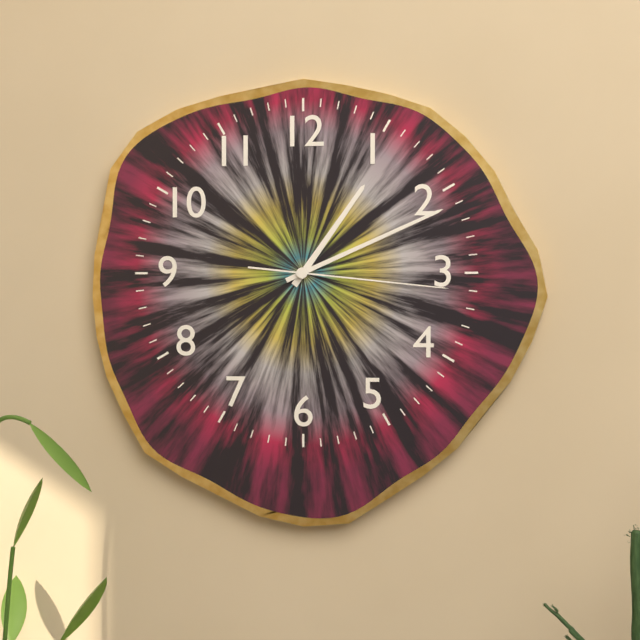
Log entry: {"hour": 1, "minute": 11, "second": 16}
